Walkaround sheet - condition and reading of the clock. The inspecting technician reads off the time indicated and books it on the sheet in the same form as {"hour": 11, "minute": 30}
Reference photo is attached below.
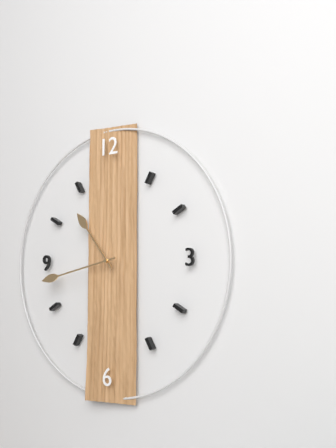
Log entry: {"hour": 10, "minute": 43}
